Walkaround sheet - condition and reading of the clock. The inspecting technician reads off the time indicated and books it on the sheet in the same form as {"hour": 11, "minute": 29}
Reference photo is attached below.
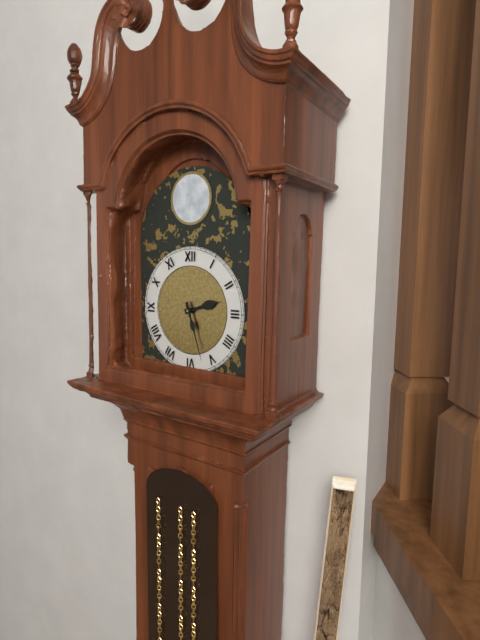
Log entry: {"hour": 2, "minute": 27}
